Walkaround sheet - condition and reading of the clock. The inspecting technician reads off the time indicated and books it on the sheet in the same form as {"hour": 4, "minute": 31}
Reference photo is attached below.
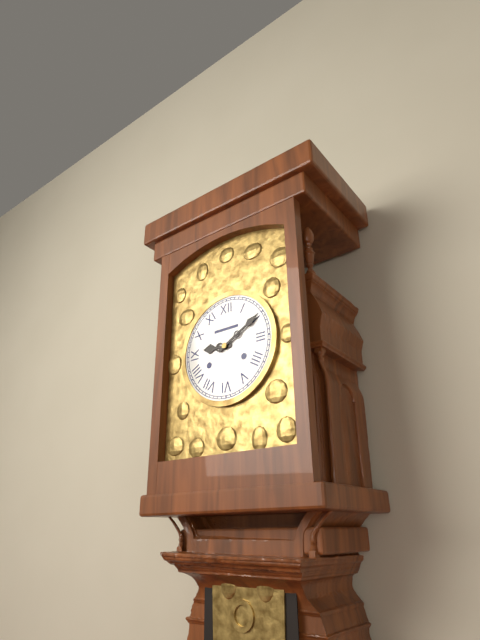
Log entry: {"hour": 9, "minute": 10}
